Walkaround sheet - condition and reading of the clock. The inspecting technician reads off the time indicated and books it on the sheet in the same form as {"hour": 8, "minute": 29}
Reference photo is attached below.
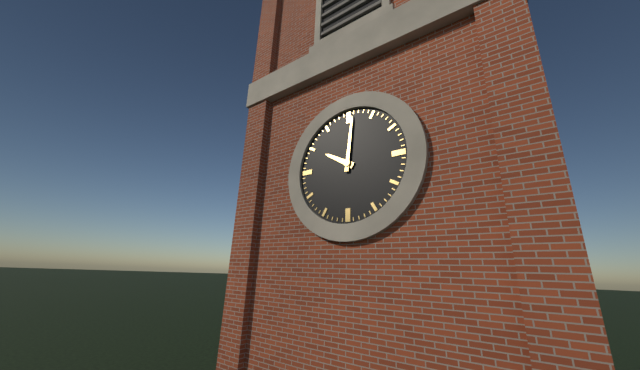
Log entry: {"hour": 10, "minute": 1}
